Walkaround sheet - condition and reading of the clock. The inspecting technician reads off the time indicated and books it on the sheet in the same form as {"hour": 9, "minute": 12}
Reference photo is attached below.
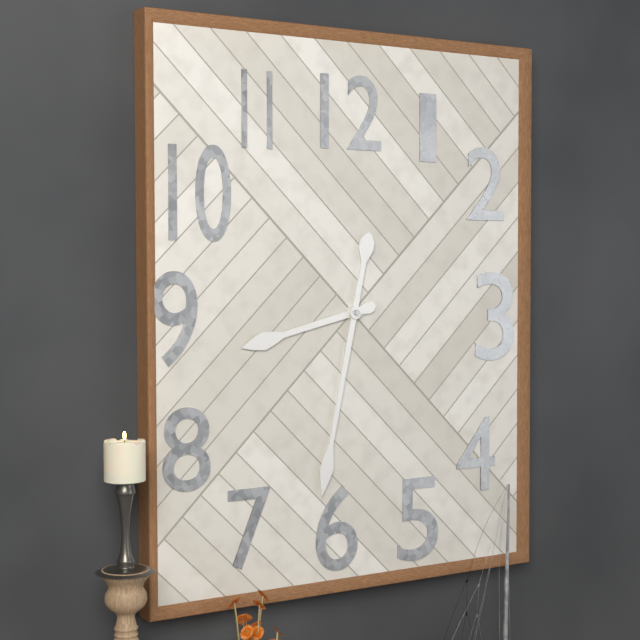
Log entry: {"hour": 8, "minute": 32}
